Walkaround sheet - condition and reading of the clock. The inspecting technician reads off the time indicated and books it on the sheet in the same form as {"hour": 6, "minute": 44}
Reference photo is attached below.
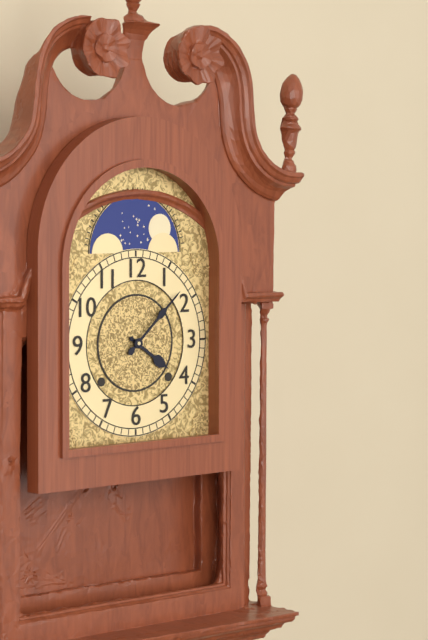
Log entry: {"hour": 4, "minute": 8}
